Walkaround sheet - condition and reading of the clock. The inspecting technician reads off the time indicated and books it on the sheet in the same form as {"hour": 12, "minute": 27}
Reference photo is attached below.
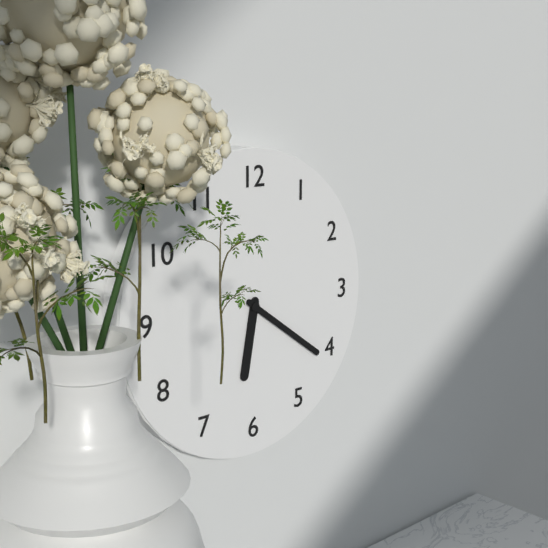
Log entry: {"hour": 6, "minute": 21}
